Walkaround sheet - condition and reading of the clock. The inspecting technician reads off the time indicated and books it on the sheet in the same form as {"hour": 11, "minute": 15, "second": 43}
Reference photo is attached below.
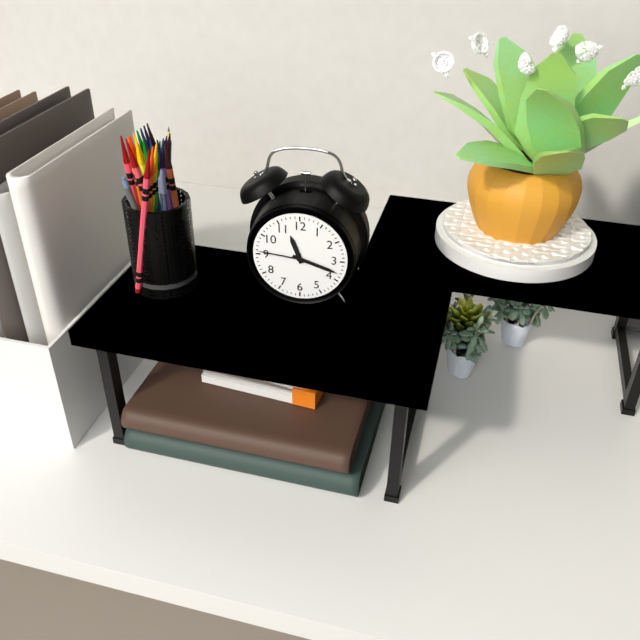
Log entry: {"hour": 11, "minute": 18, "second": 46}
